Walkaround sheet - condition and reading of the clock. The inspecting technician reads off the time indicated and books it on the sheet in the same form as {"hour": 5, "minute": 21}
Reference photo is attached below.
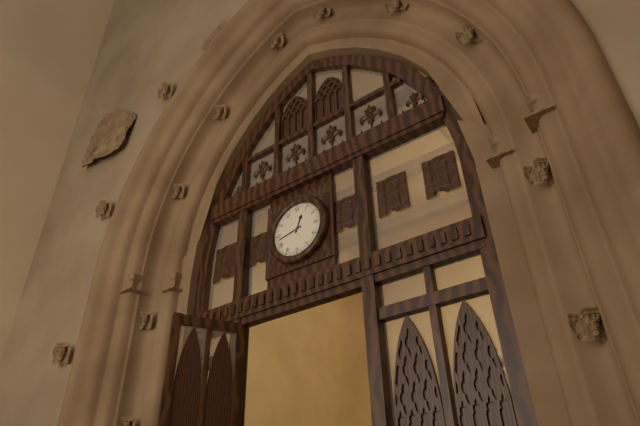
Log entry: {"hour": 12, "minute": 43}
